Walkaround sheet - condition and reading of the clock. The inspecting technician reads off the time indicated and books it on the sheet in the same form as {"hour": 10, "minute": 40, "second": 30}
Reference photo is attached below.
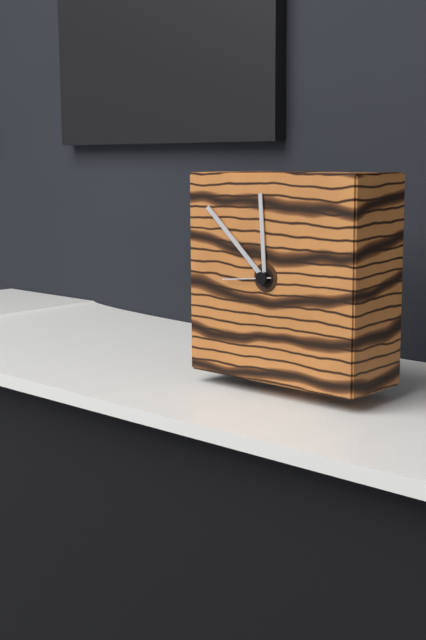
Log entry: {"hour": 11, "minute": 52, "second": 44}
